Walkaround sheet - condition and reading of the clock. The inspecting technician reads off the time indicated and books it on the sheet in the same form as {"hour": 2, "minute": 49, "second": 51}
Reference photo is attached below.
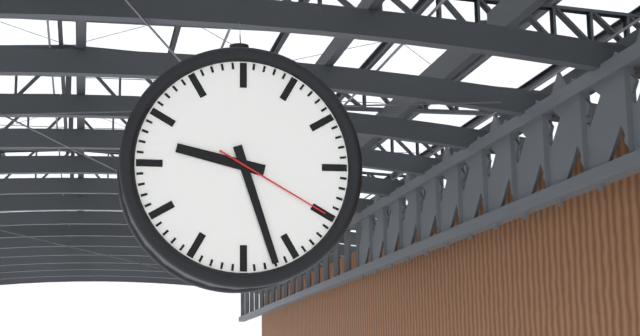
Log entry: {"hour": 9, "minute": 27, "second": 20}
